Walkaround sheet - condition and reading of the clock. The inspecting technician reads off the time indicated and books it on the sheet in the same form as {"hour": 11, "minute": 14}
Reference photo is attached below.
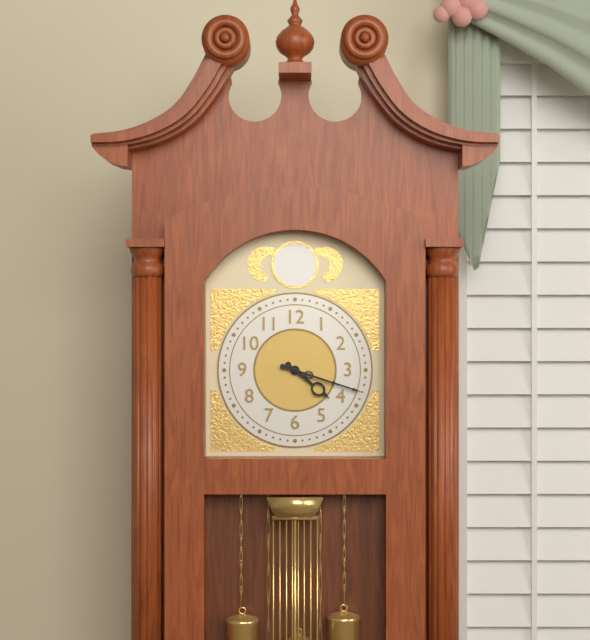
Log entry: {"hour": 4, "minute": 18}
